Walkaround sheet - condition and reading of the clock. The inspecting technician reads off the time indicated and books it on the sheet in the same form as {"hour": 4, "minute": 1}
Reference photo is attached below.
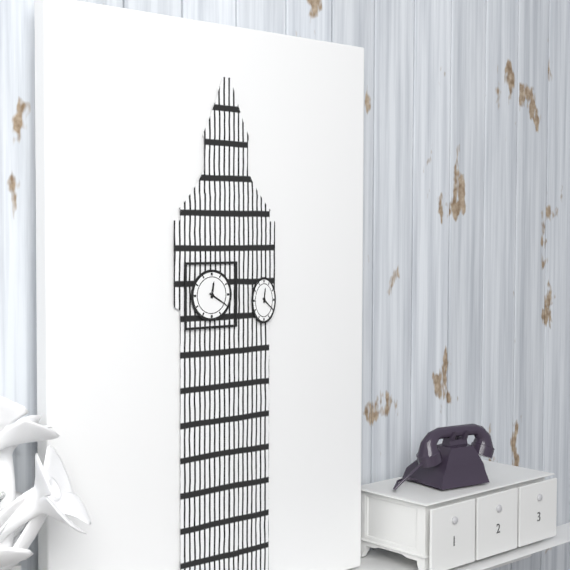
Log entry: {"hour": 12, "minute": 20}
